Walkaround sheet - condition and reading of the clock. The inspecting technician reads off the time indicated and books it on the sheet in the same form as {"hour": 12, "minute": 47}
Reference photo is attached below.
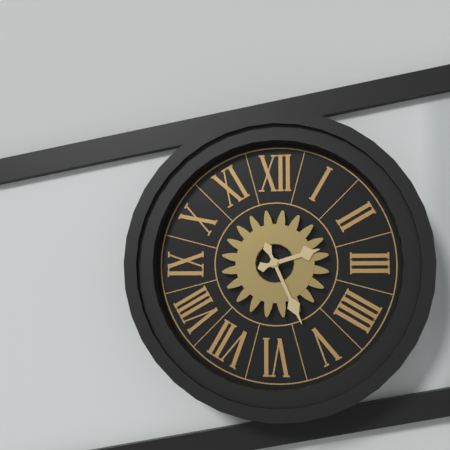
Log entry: {"hour": 2, "minute": 26}
